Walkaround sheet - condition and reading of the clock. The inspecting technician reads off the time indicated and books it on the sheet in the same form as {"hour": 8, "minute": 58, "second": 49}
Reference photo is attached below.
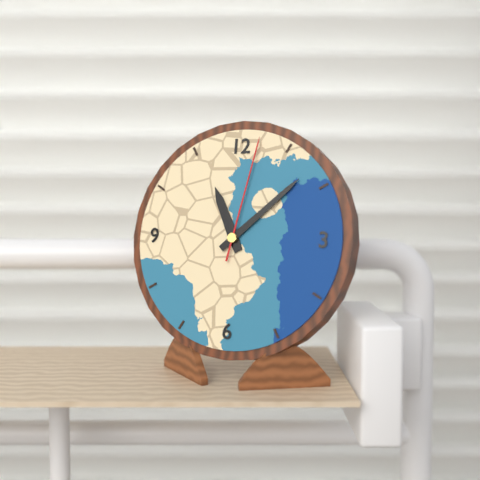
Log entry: {"hour": 11, "minute": 8, "second": 2}
